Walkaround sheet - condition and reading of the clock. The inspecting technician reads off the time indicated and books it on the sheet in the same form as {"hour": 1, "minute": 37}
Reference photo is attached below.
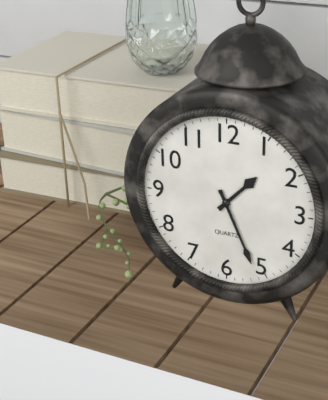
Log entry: {"hour": 1, "minute": 26}
